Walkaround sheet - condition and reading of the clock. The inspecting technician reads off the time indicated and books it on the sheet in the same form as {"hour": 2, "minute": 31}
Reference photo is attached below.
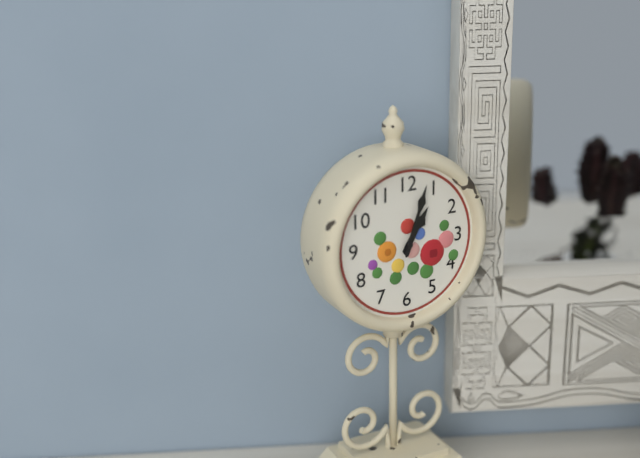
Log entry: {"hour": 1, "minute": 3}
